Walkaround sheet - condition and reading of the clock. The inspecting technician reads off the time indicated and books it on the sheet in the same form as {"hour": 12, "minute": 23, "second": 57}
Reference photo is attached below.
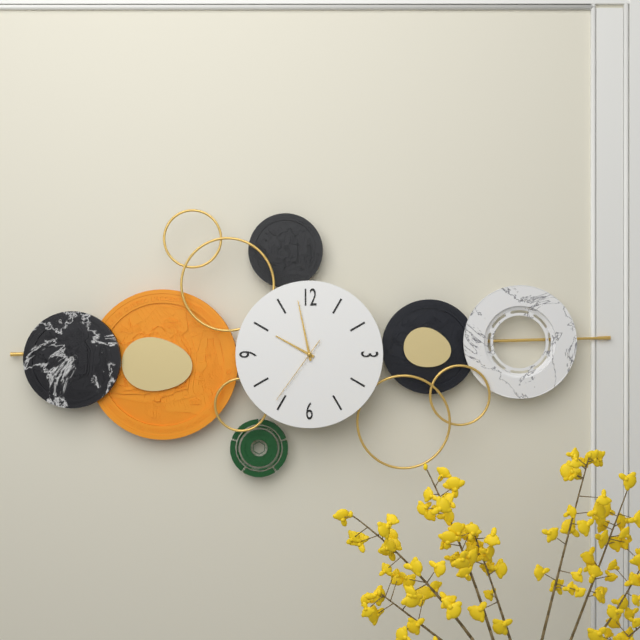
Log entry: {"hour": 9, "minute": 58, "second": 36}
